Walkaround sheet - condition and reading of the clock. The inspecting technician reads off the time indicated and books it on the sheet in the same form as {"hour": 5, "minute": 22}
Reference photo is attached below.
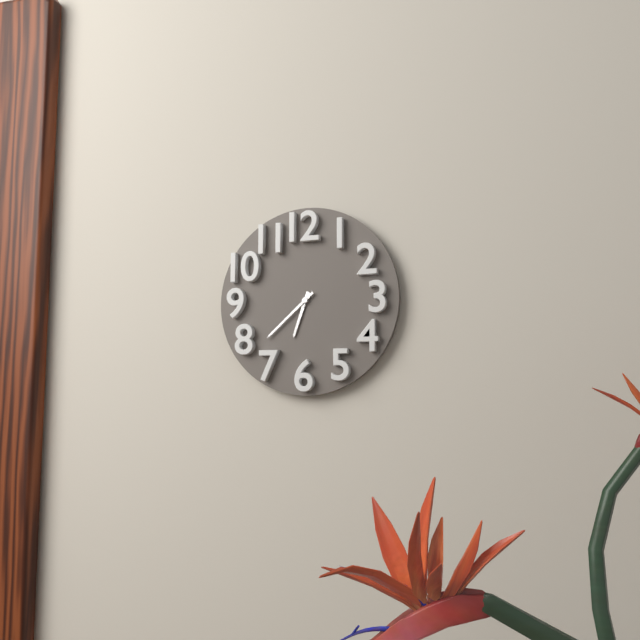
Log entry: {"hour": 6, "minute": 38}
